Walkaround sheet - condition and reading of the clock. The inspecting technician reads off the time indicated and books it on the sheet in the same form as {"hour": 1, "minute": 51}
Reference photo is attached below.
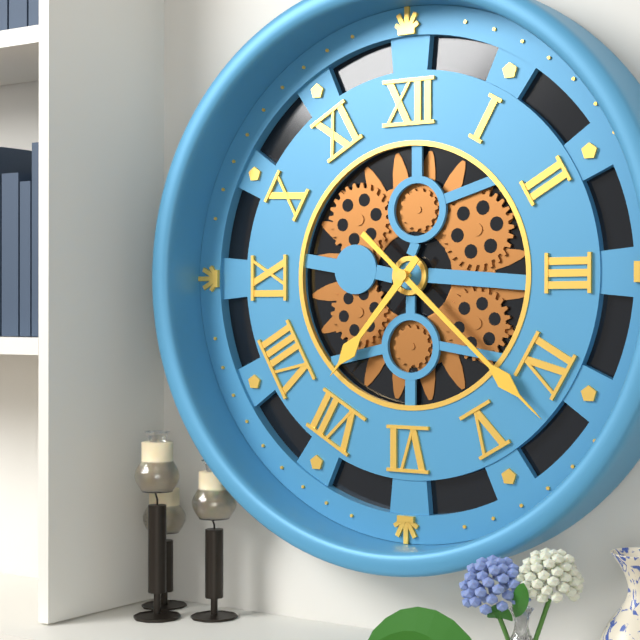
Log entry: {"hour": 7, "minute": 22}
